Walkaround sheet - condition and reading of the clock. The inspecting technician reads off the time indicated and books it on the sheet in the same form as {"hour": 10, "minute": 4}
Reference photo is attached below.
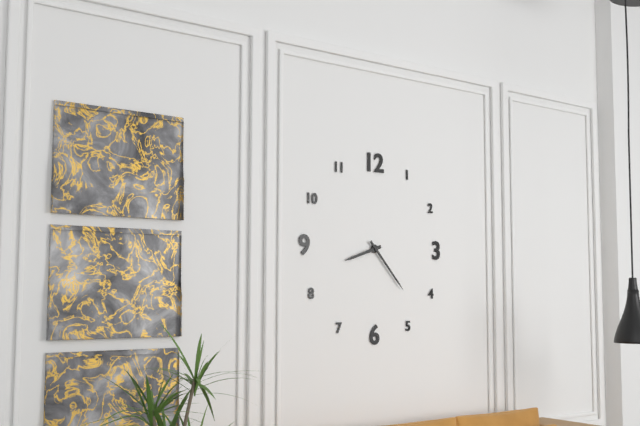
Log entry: {"hour": 8, "minute": 23}
